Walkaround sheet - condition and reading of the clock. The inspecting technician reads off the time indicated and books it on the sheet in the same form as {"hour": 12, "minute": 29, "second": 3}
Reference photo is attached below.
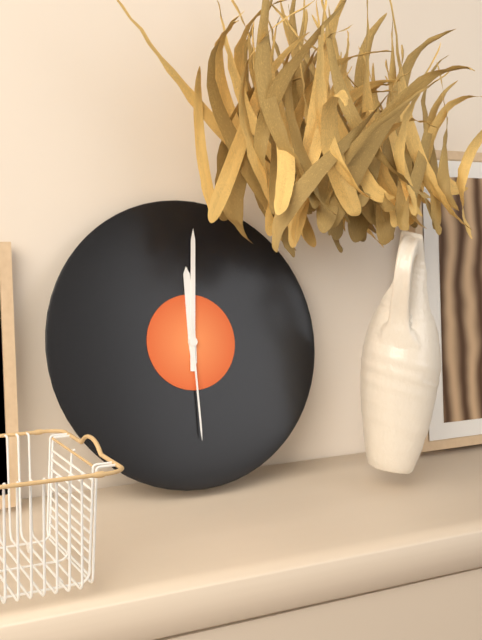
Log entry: {"hour": 12, "minute": 1, "second": 30}
